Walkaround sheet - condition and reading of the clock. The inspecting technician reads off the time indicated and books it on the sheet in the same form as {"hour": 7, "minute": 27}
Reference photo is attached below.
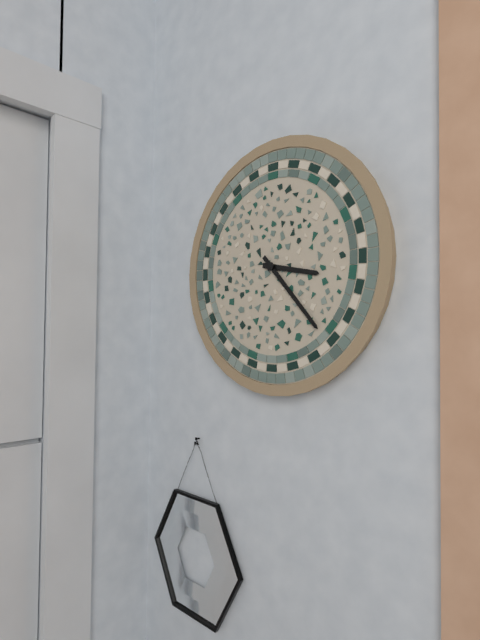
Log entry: {"hour": 3, "minute": 23}
